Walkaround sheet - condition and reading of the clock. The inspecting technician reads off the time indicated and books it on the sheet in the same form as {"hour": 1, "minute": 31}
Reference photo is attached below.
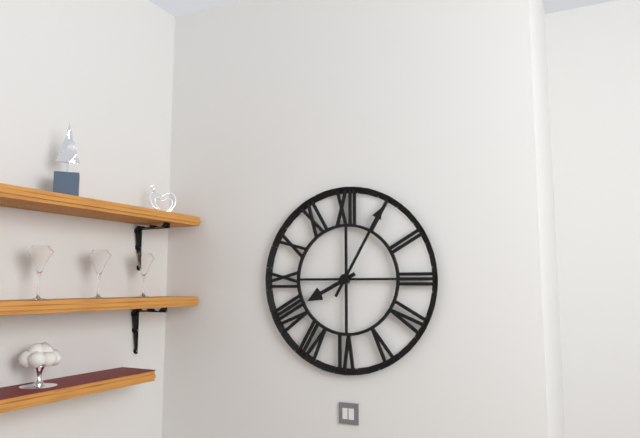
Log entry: {"hour": 8, "minute": 5}
